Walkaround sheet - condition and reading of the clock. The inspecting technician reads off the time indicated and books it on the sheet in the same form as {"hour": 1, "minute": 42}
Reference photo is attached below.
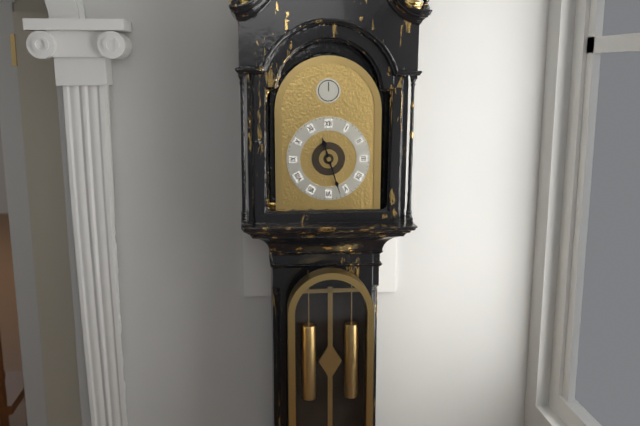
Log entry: {"hour": 11, "minute": 27}
